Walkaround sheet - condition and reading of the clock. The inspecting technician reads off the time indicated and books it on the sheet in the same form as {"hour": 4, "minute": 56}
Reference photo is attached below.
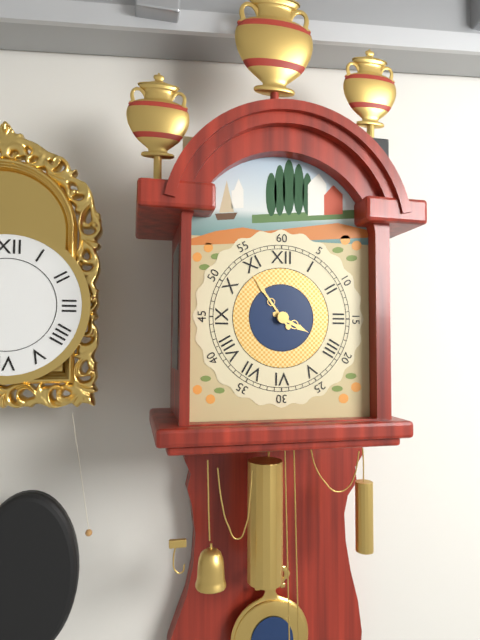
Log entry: {"hour": 3, "minute": 54}
